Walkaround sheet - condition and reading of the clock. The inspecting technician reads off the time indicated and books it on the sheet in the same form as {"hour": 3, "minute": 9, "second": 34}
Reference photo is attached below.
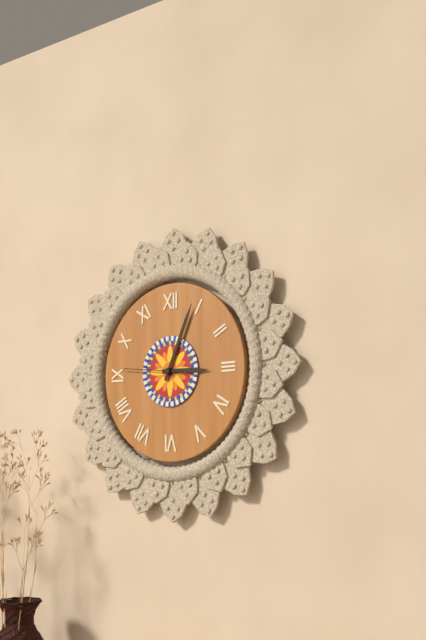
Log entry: {"hour": 3, "minute": 4, "second": 46}
